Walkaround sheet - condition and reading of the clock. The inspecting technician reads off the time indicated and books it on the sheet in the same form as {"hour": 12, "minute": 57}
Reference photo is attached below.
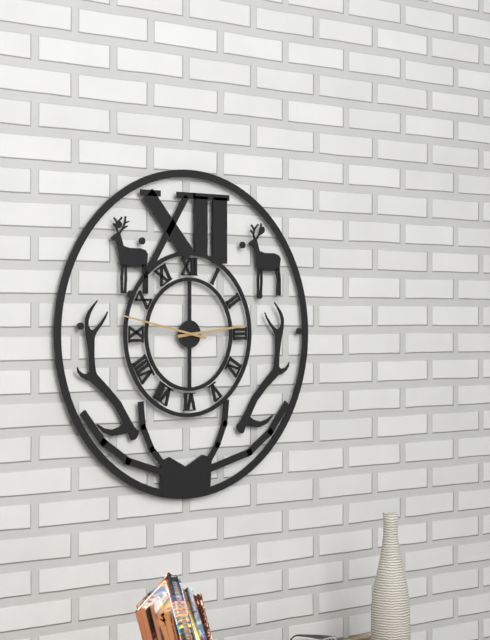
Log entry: {"hour": 2, "minute": 47}
